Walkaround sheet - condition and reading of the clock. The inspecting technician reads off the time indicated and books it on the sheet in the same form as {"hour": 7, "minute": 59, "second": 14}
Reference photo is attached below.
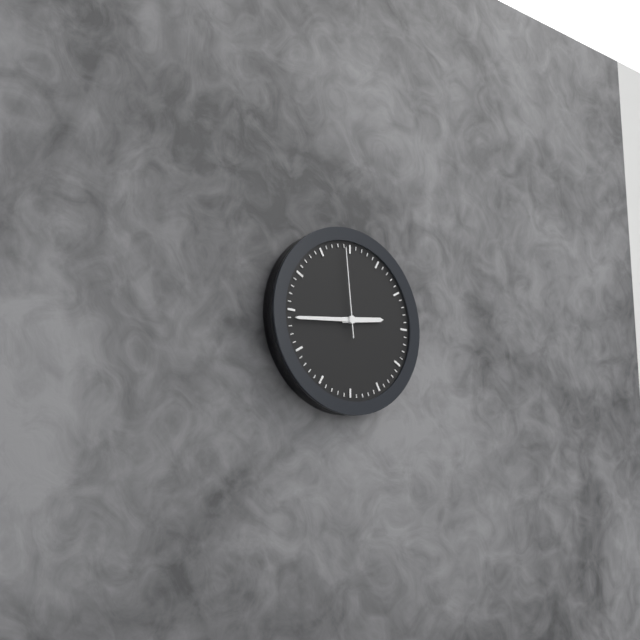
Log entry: {"hour": 2, "minute": 44, "second": 59}
